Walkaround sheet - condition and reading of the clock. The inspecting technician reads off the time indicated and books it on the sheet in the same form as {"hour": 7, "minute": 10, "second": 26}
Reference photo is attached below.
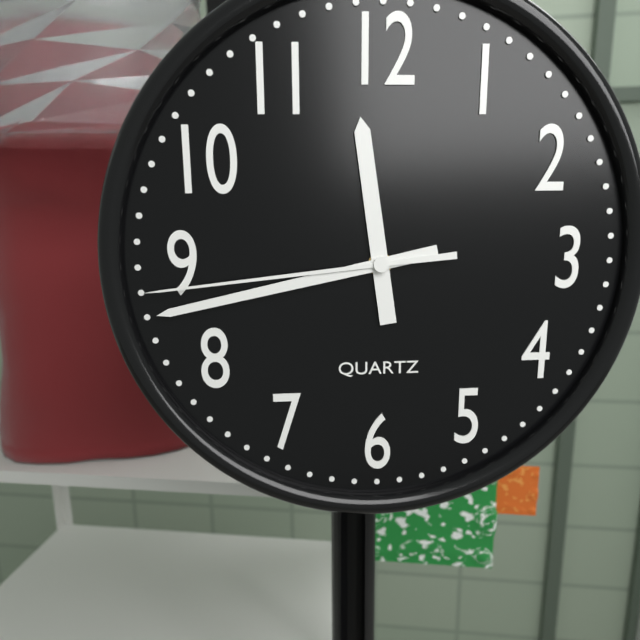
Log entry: {"hour": 11, "minute": 43, "second": 44}
